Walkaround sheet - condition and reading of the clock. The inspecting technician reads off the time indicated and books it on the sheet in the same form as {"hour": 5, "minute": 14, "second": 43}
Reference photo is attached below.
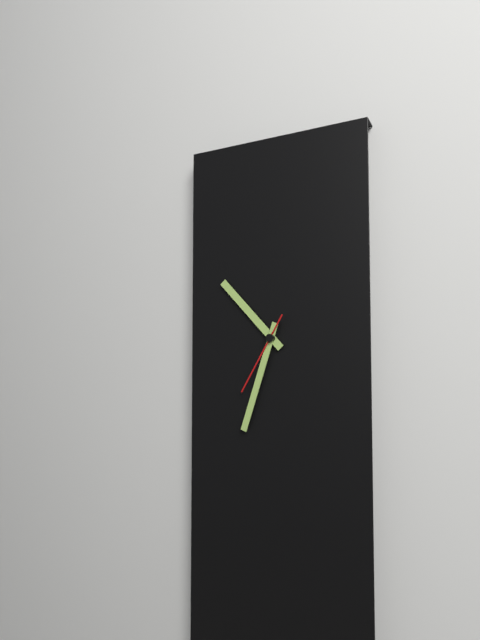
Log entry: {"hour": 10, "minute": 33, "second": 35}
